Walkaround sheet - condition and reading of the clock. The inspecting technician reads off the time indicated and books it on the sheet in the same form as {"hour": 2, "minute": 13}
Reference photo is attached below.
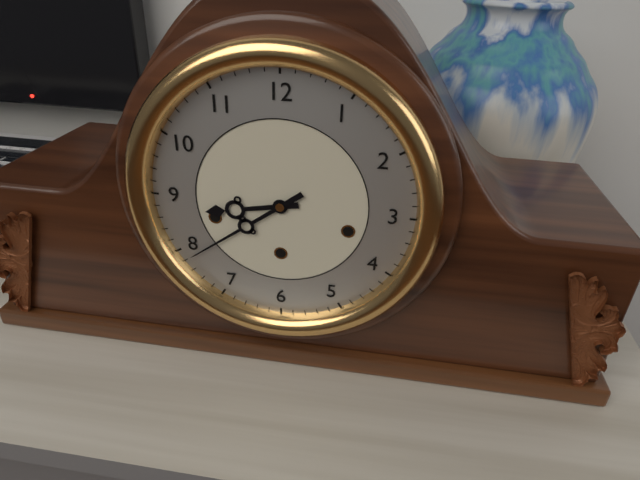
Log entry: {"hour": 8, "minute": 39}
